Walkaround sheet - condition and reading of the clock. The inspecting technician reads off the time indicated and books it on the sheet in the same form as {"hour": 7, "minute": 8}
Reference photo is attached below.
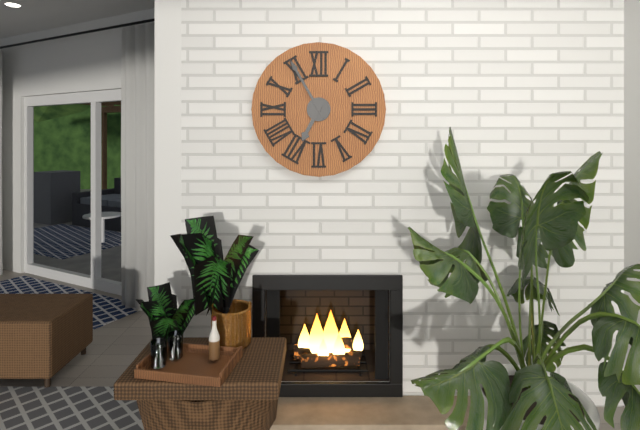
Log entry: {"hour": 6, "minute": 55}
